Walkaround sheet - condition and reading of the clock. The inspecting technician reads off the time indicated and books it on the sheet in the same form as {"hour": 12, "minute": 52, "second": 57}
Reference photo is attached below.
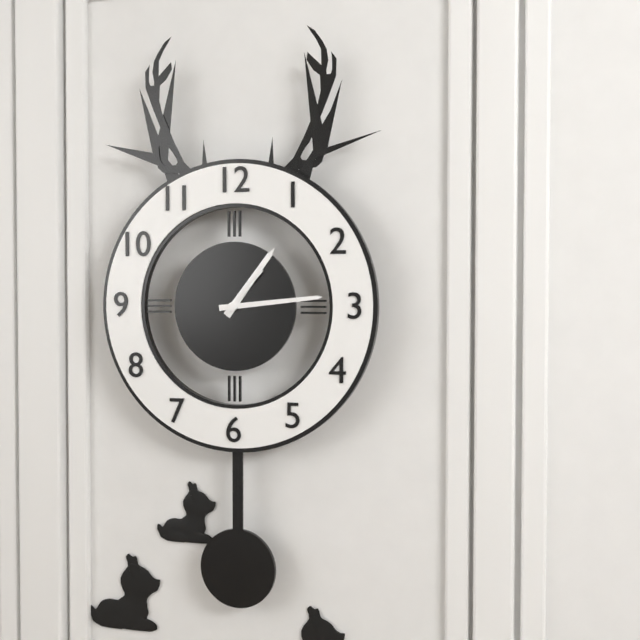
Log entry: {"hour": 1, "minute": 14, "second": 7}
